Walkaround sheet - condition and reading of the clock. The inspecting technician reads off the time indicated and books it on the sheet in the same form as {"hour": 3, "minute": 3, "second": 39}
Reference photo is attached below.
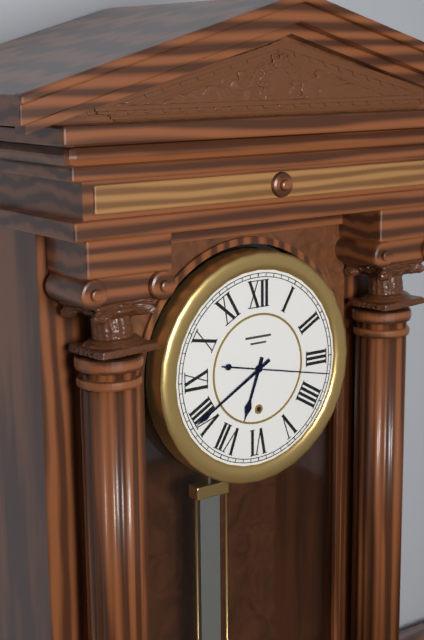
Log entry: {"hour": 6, "minute": 40, "second": 17}
